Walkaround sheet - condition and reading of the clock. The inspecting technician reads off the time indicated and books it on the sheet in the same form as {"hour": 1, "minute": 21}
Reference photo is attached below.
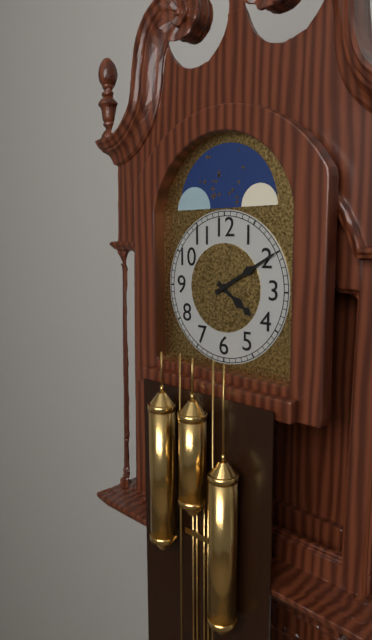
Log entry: {"hour": 4, "minute": 10}
